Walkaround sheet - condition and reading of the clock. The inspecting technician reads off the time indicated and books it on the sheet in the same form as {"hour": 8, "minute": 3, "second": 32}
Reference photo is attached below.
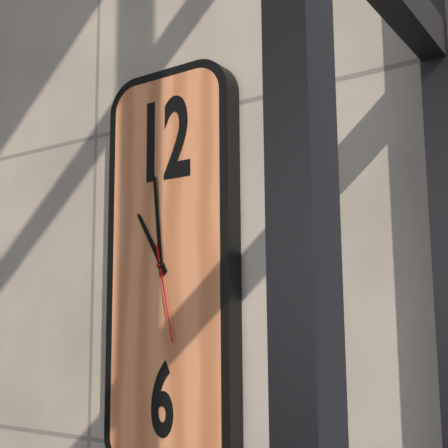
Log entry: {"hour": 10, "minute": 59, "second": 28}
